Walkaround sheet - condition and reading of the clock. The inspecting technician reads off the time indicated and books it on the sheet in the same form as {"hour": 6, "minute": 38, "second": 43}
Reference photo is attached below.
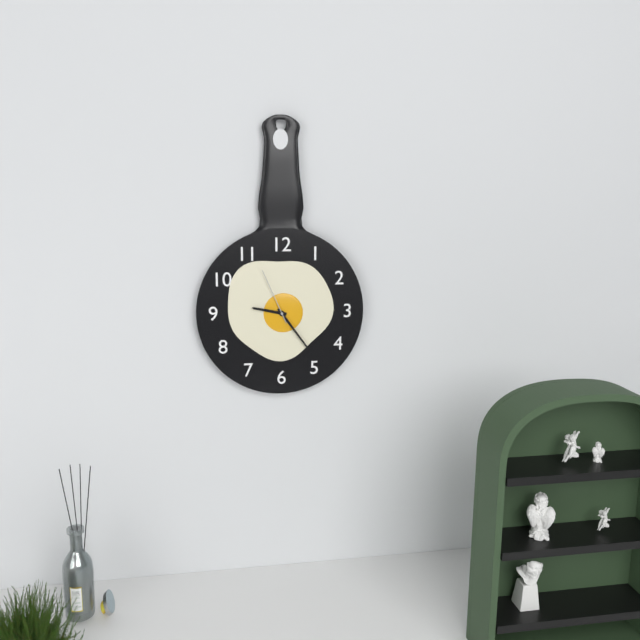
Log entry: {"hour": 9, "minute": 24, "second": 56}
